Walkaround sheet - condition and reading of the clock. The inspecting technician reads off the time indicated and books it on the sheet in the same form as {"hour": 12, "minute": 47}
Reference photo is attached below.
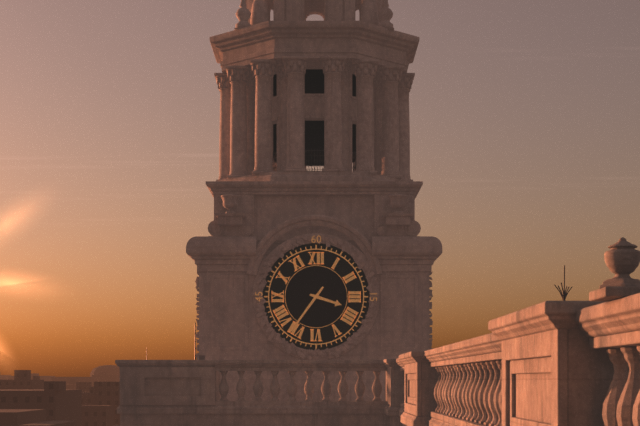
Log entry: {"hour": 3, "minute": 36}
